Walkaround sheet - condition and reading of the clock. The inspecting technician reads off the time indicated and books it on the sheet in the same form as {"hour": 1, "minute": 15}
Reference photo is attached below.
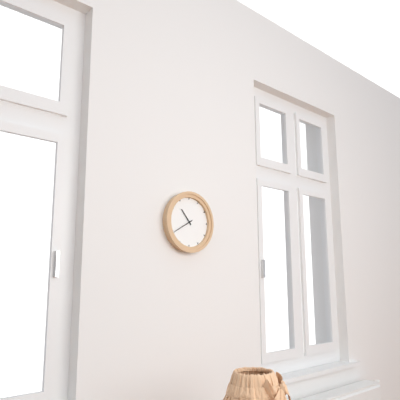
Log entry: {"hour": 10, "minute": 40}
